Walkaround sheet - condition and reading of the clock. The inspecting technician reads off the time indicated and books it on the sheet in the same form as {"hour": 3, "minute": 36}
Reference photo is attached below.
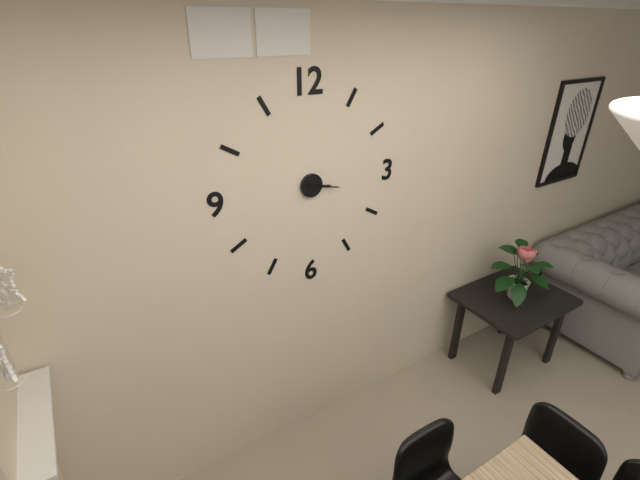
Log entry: {"hour": 3, "minute": 17}
